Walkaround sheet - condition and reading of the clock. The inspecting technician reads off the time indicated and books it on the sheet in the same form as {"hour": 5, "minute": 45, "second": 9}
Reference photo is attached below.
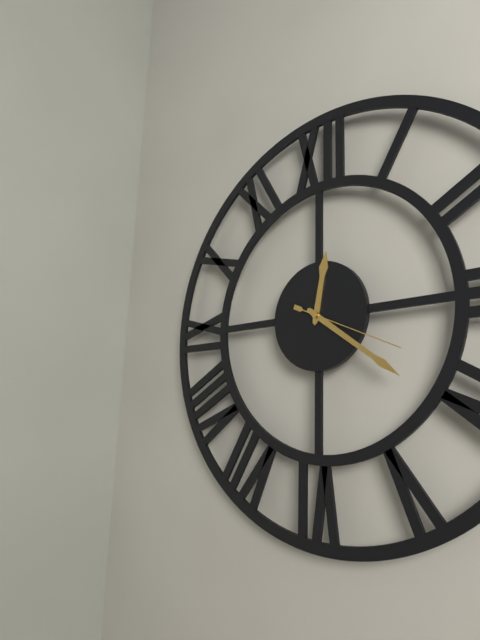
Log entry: {"hour": 12, "minute": 21, "second": 19}
